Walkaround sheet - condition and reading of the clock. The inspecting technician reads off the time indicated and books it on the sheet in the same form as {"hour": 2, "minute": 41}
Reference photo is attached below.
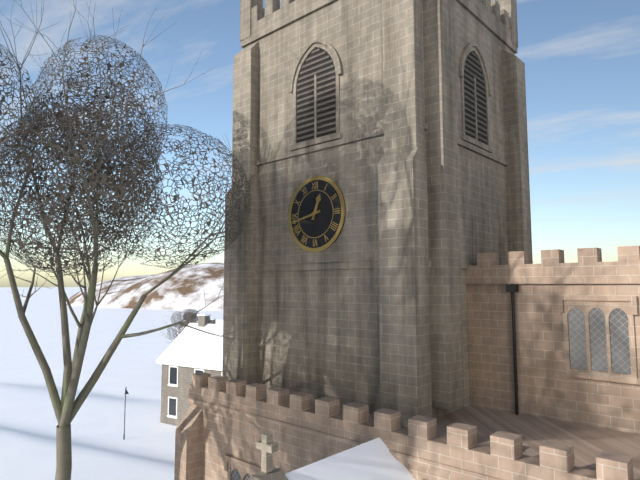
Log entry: {"hour": 12, "minute": 43}
